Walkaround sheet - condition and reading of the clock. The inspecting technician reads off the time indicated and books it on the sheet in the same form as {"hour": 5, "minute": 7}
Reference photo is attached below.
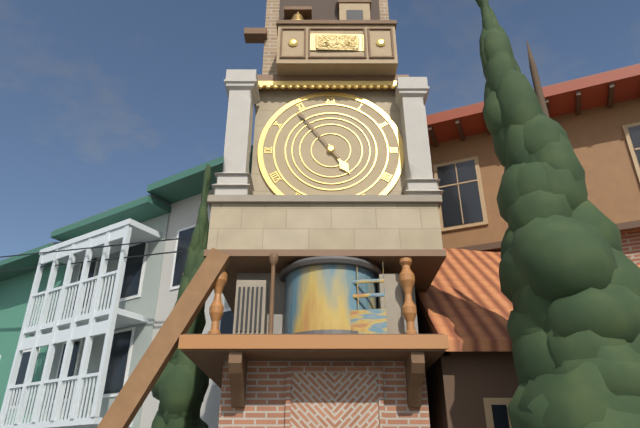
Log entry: {"hour": 4, "minute": 54}
